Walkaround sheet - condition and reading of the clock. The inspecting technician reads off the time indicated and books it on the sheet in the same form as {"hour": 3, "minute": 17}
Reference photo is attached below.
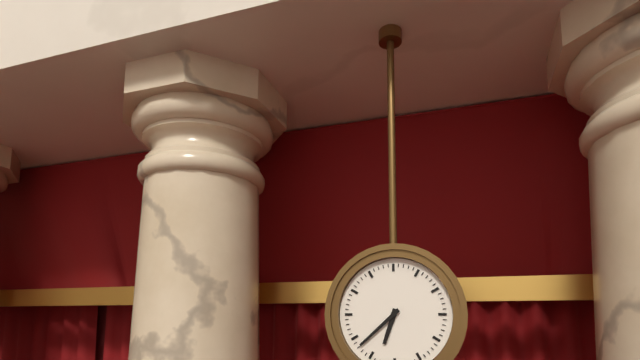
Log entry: {"hour": 6, "minute": 38}
